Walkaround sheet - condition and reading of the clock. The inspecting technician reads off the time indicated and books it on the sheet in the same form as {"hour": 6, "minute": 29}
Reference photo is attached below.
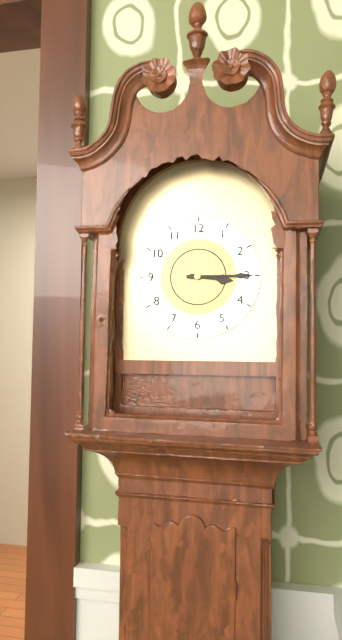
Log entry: {"hour": 3, "minute": 15}
